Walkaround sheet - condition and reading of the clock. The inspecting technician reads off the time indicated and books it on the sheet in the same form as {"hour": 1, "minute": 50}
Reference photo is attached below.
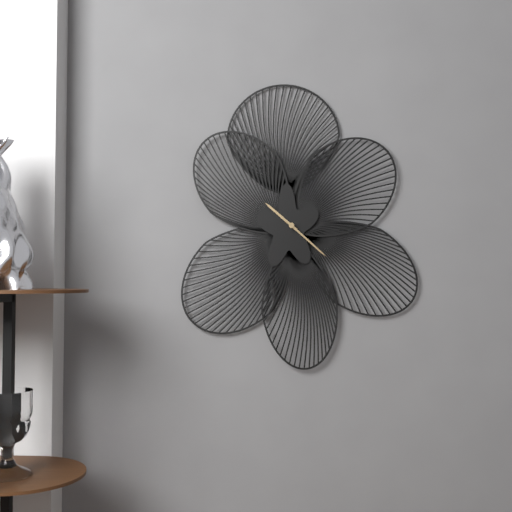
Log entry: {"hour": 10, "minute": 22}
